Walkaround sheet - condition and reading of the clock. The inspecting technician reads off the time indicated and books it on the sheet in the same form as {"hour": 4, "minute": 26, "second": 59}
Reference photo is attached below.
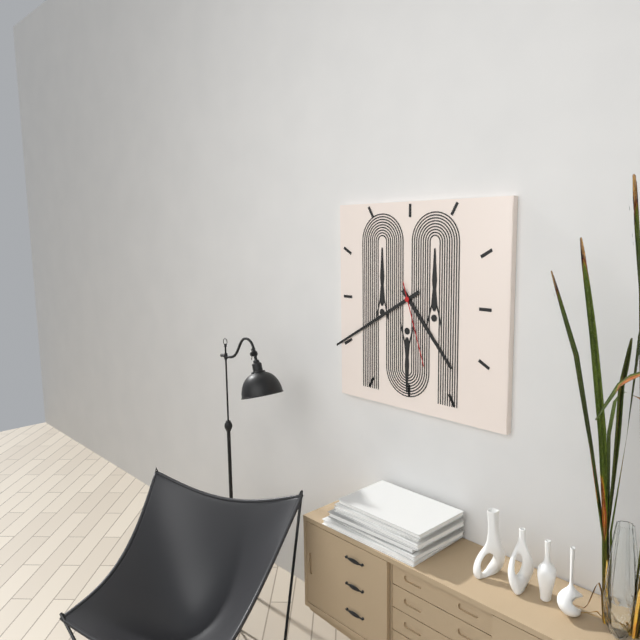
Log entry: {"hour": 4, "minute": 40, "second": 27}
